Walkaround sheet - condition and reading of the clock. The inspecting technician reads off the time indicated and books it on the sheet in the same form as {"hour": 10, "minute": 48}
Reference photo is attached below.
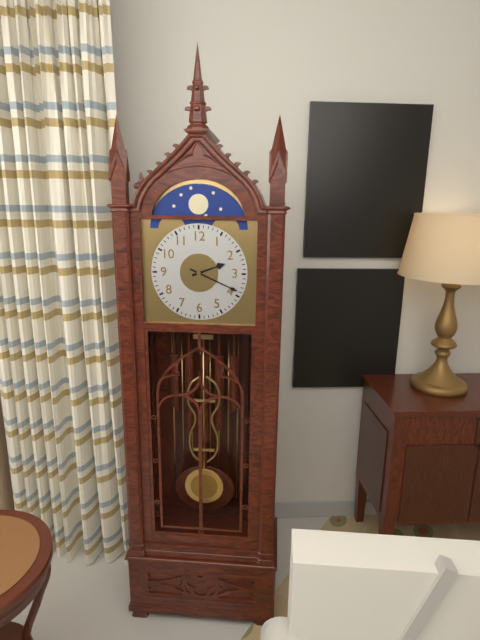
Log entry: {"hour": 2, "minute": 19}
